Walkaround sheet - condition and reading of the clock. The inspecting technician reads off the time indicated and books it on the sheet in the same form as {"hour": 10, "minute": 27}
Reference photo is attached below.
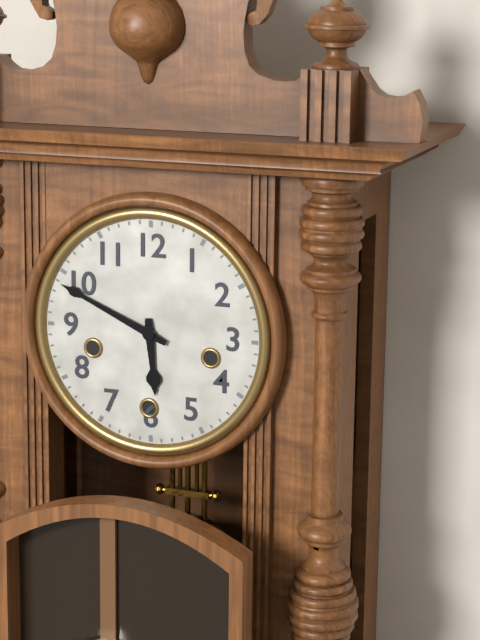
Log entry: {"hour": 5, "minute": 49}
